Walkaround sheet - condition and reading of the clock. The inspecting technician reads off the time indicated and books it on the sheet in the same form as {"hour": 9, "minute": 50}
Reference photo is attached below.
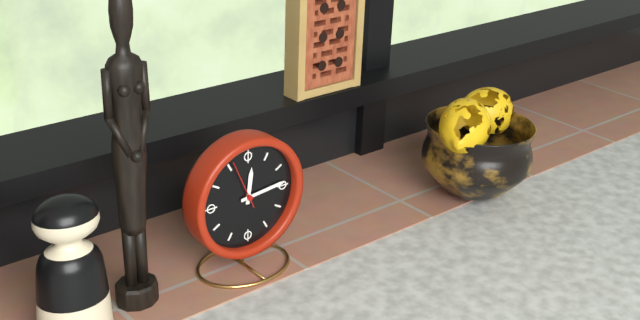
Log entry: {"hour": 12, "minute": 14}
